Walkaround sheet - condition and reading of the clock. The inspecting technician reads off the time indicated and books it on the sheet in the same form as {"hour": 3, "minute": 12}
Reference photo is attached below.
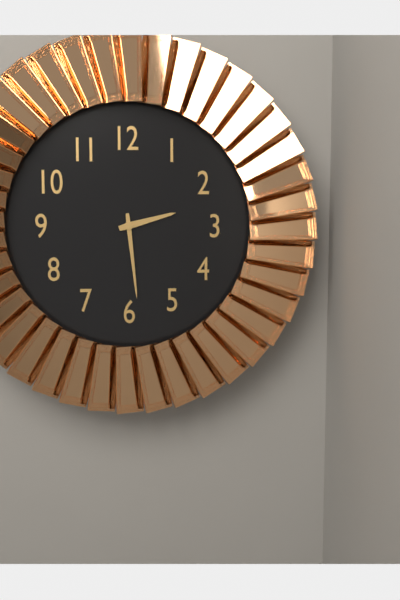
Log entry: {"hour": 2, "minute": 29}
